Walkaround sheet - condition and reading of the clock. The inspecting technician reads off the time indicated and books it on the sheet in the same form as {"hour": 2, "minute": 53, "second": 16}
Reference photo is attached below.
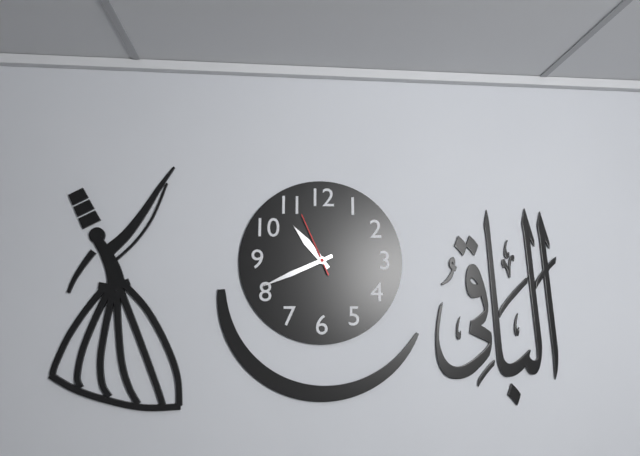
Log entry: {"hour": 10, "minute": 41, "second": 56}
